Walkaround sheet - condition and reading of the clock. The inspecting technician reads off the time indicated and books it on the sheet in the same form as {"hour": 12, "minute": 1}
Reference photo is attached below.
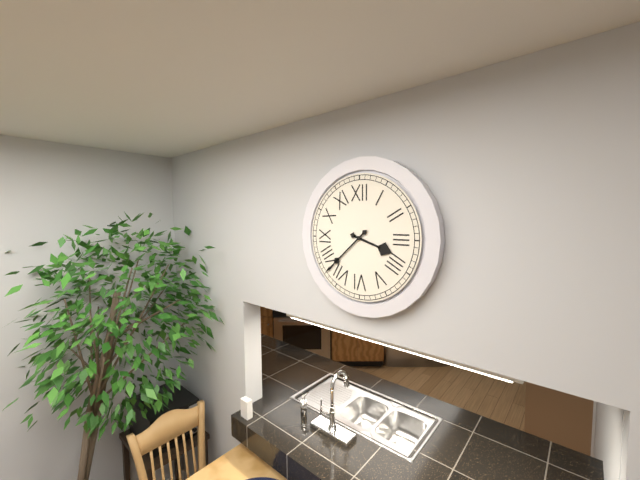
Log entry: {"hour": 3, "minute": 38}
